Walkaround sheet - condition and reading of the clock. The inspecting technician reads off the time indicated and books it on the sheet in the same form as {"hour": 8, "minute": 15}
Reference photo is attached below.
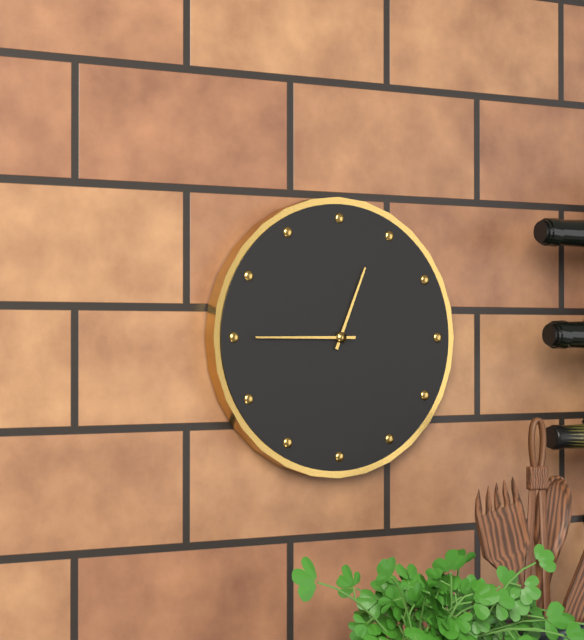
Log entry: {"hour": 12, "minute": 45}
